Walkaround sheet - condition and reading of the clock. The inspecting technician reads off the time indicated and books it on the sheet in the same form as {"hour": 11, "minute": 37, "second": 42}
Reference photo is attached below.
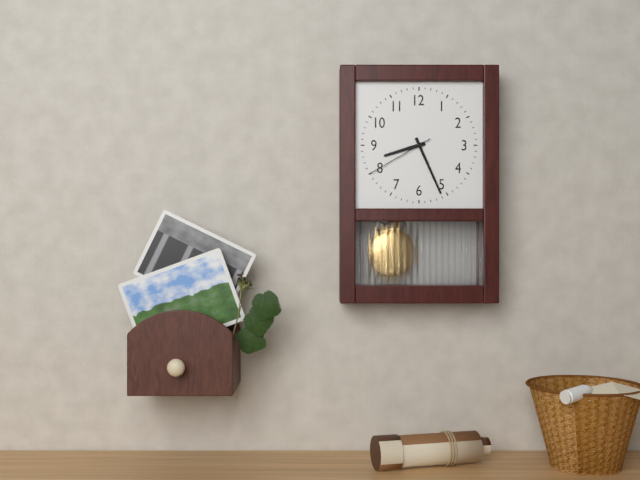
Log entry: {"hour": 8, "minute": 26, "second": 40}
